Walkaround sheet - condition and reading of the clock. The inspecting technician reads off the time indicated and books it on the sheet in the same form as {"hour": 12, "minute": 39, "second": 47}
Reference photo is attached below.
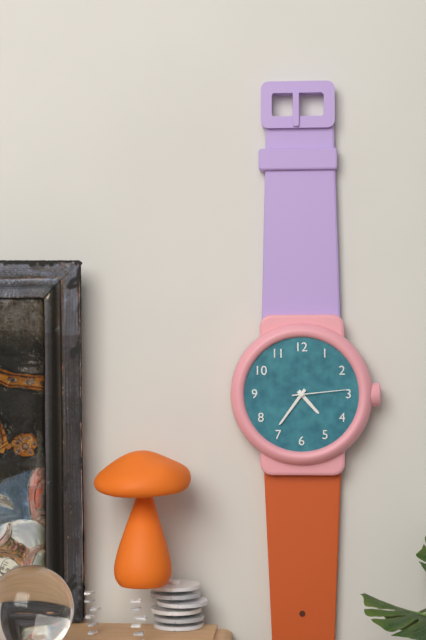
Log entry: {"hour": 4, "minute": 36, "second": 14}
